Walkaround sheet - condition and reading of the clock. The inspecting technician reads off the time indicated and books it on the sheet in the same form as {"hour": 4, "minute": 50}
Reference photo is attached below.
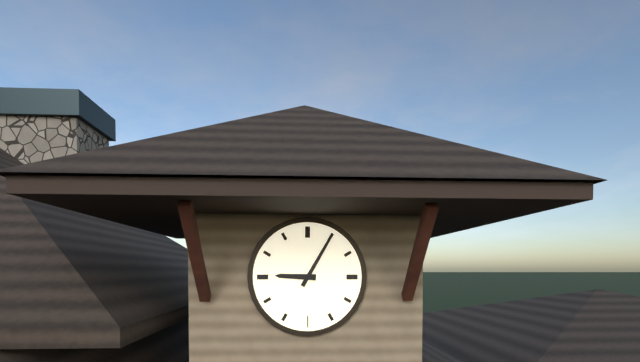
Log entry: {"hour": 9, "minute": 5}
